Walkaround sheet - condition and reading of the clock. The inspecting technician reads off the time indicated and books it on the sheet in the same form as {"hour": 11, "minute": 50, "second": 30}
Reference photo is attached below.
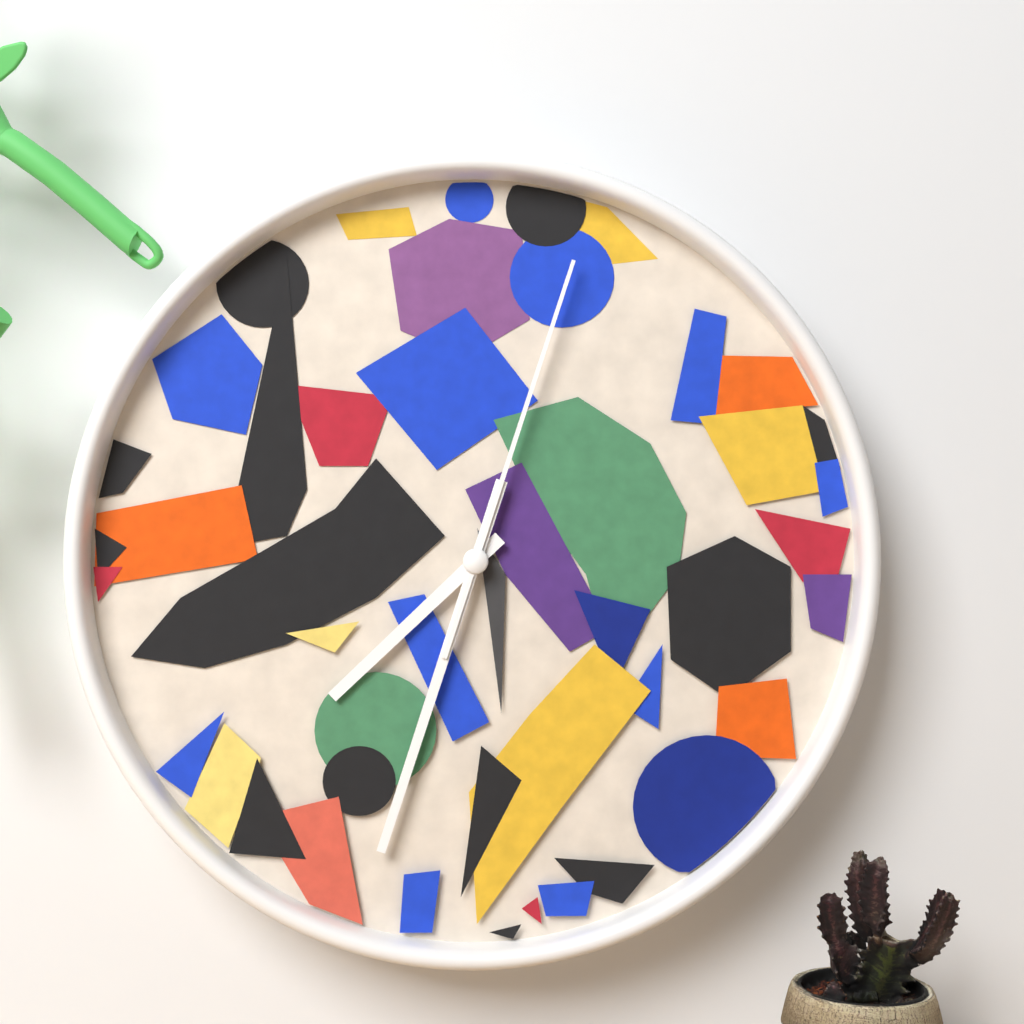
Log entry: {"hour": 7, "minute": 33, "second": 3}
